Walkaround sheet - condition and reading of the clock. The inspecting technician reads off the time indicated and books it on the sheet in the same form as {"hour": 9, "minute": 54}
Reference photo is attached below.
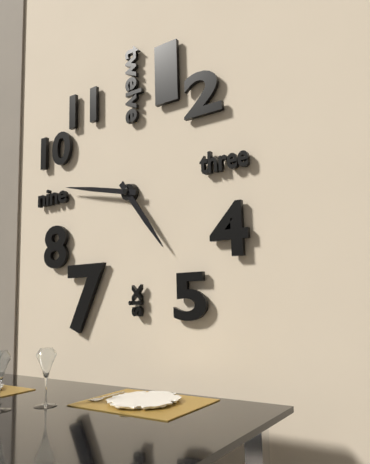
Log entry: {"hour": 4, "minute": 47}
